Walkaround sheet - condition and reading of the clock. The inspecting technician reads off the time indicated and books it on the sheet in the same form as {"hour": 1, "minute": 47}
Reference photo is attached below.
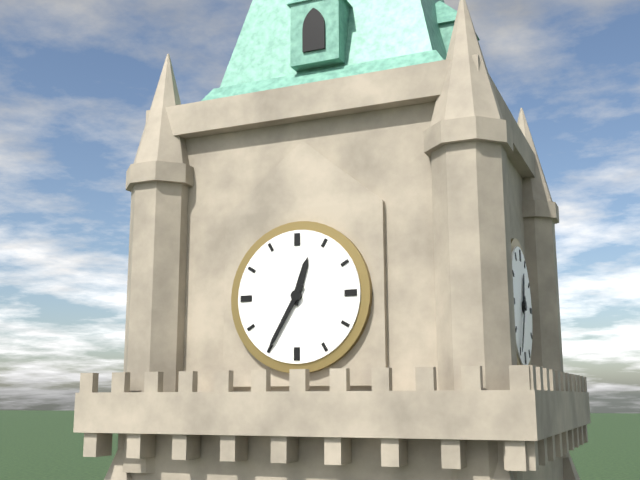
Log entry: {"hour": 12, "minute": 35}
